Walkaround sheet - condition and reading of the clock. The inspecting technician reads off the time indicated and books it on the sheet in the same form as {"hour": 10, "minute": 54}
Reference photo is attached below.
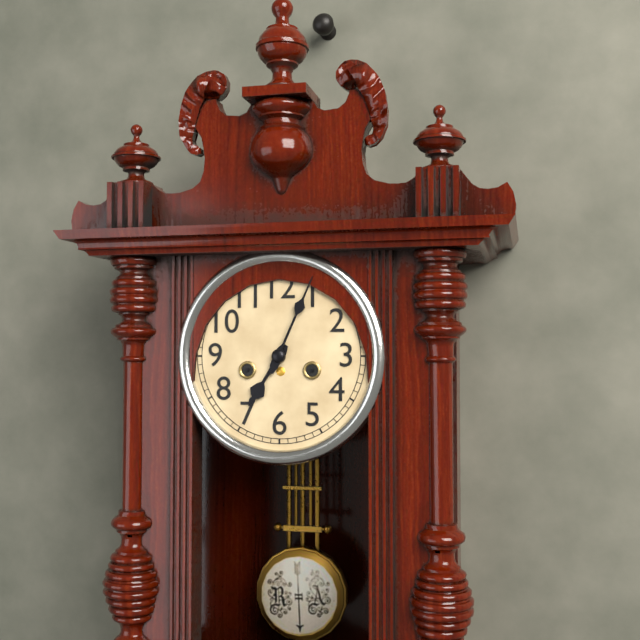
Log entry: {"hour": 7, "minute": 4}
